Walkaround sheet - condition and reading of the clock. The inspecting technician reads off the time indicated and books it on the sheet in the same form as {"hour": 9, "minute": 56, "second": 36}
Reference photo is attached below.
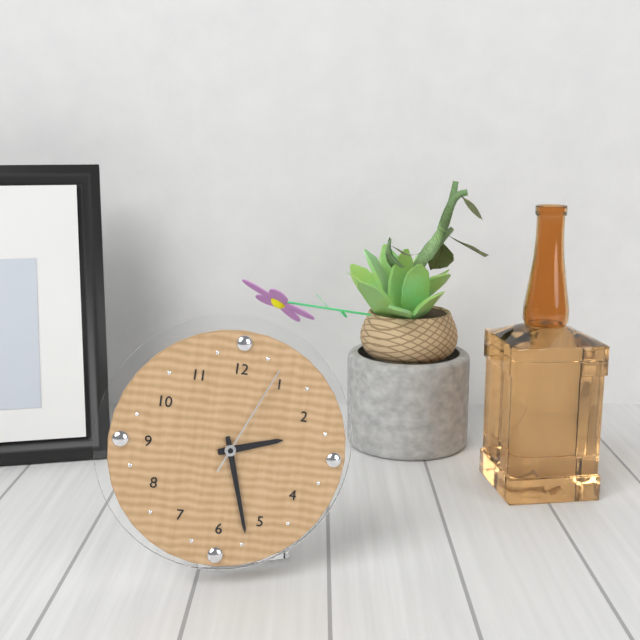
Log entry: {"hour": 2, "minute": 27, "second": 4}
